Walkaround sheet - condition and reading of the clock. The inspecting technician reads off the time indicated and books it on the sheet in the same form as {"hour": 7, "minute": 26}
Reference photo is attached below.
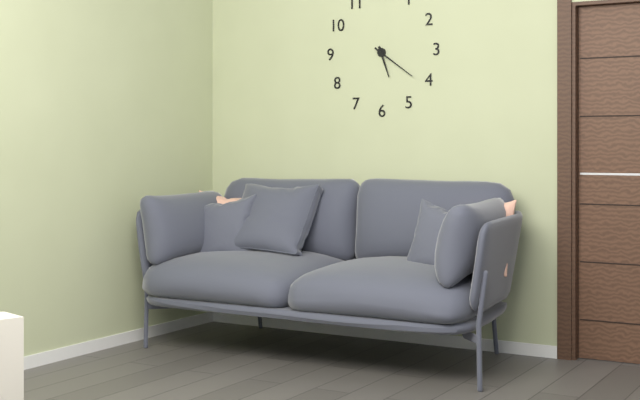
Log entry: {"hour": 5, "minute": 21}
